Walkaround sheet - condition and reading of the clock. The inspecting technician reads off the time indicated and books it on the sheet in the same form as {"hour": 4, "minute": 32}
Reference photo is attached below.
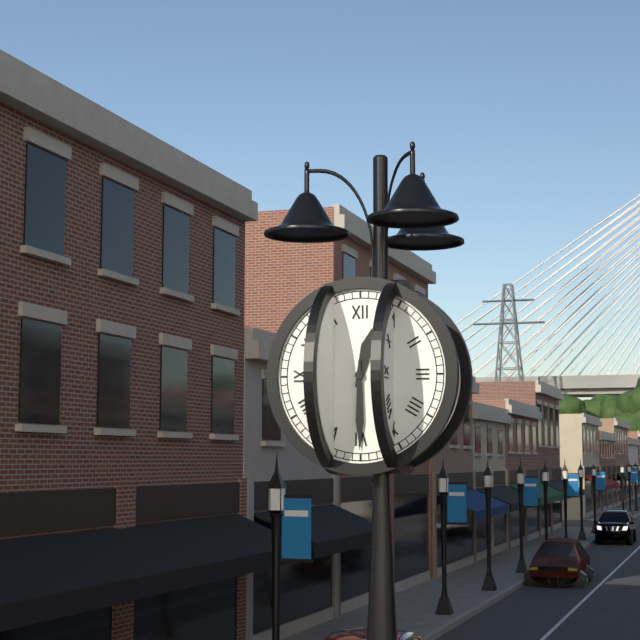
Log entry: {"hour": 12, "minute": 30}
